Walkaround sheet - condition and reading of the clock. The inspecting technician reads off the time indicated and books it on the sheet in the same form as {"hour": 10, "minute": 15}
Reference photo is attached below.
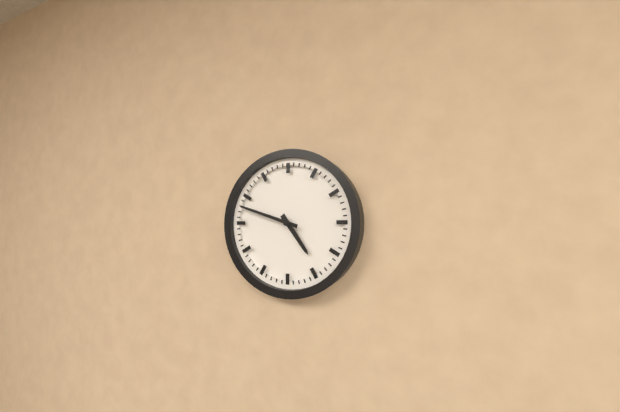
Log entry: {"hour": 4, "minute": 48}
